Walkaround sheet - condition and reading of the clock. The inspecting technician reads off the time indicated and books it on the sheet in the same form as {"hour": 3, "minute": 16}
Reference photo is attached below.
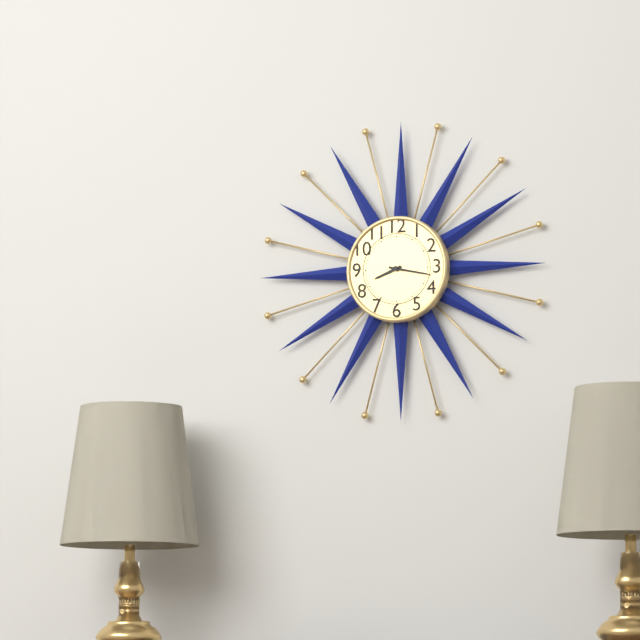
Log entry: {"hour": 8, "minute": 17}
